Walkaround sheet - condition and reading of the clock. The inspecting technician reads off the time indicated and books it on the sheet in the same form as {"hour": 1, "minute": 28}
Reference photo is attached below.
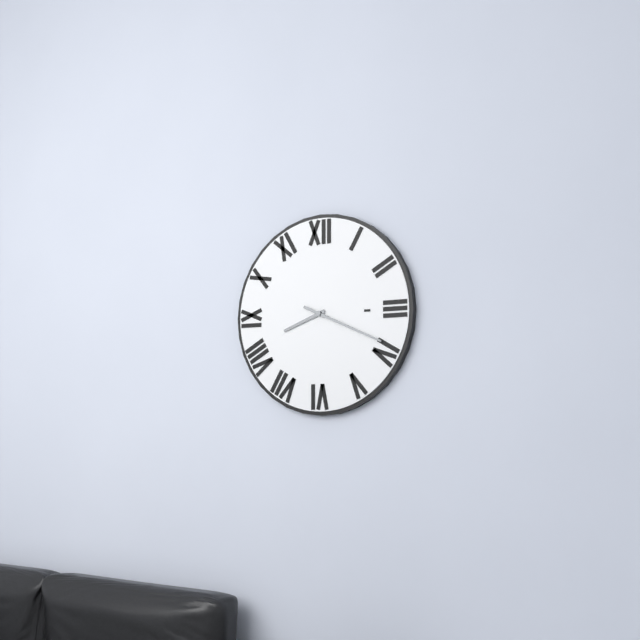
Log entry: {"hour": 8, "minute": 19}
